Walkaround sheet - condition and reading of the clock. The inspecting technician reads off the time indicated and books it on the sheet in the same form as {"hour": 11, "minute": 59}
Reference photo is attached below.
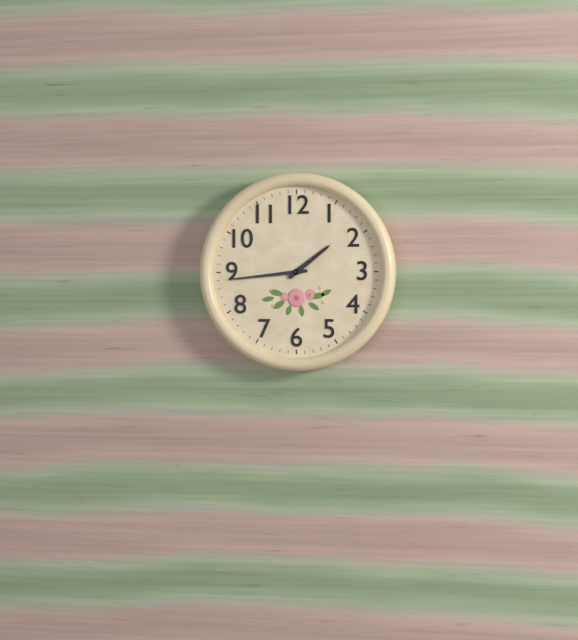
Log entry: {"hour": 1, "minute": 44}
